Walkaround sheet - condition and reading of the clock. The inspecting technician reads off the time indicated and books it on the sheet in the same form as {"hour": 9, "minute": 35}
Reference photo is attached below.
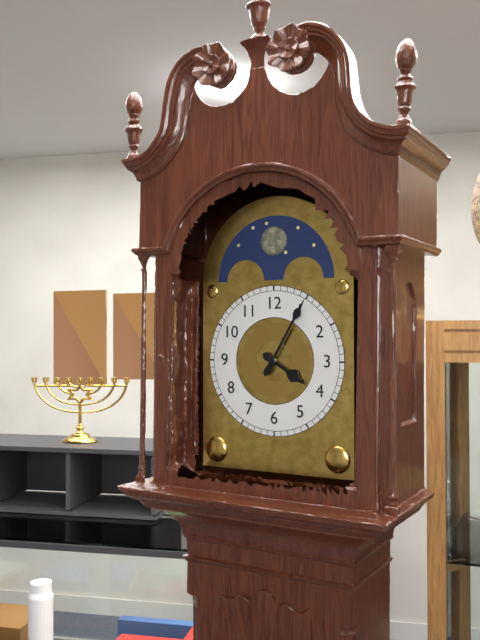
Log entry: {"hour": 4, "minute": 5}
